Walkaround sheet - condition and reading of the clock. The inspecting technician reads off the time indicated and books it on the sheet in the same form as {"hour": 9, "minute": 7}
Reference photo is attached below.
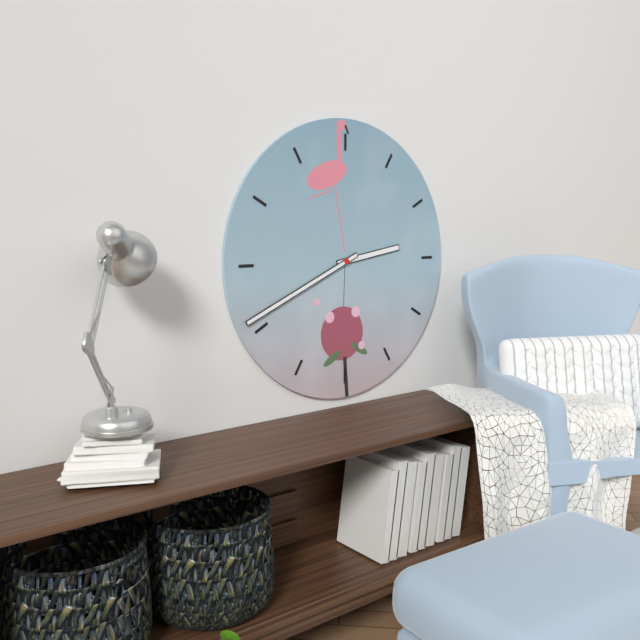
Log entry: {"hour": 2, "minute": 41}
